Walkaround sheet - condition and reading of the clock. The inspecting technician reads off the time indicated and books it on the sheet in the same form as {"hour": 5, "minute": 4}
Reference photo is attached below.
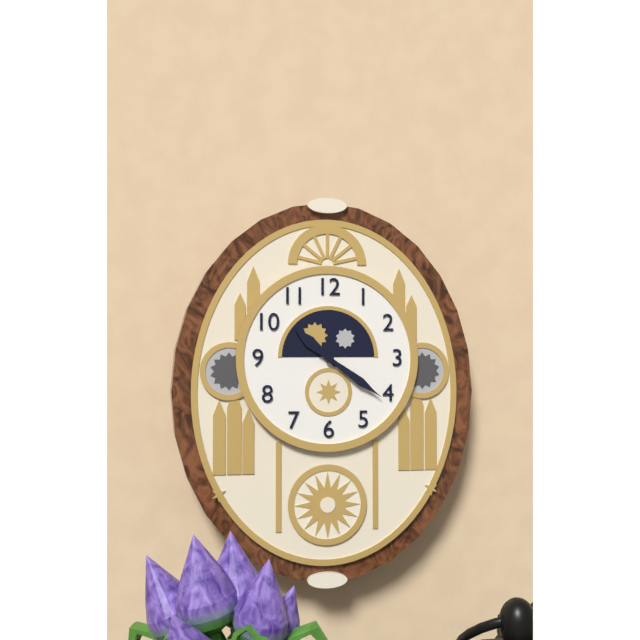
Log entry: {"hour": 10, "minute": 21}
